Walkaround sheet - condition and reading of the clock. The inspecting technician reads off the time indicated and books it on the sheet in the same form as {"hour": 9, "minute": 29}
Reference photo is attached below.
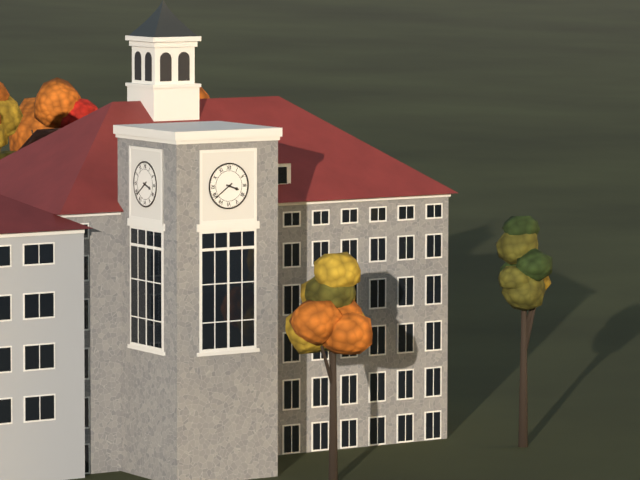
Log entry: {"hour": 3, "minute": 39}
